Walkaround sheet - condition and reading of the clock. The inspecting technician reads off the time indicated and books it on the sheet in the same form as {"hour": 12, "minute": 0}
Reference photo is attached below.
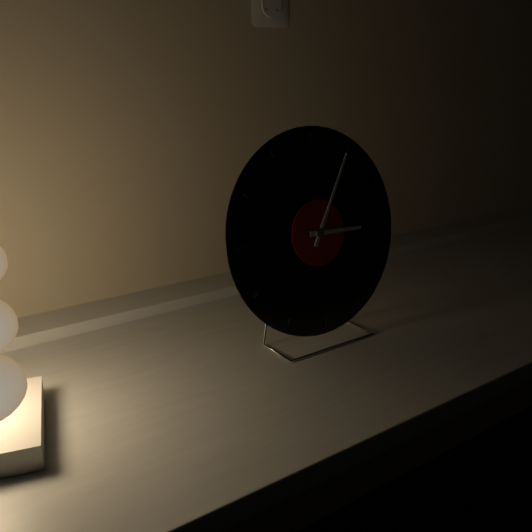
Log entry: {"hour": 3, "minute": 5}
